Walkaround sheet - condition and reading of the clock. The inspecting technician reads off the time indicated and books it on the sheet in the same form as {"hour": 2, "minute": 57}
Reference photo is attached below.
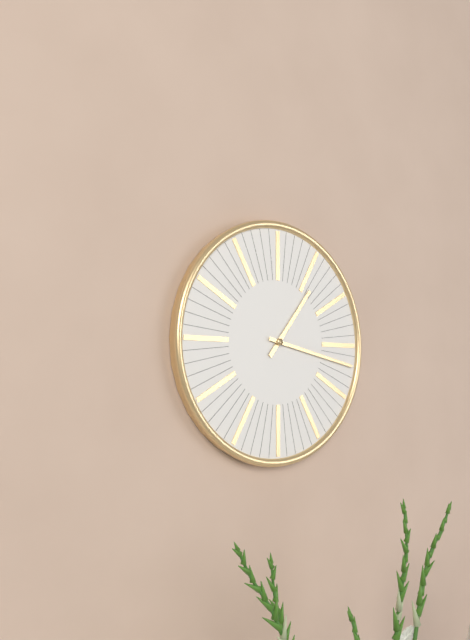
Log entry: {"hour": 1, "minute": 17}
